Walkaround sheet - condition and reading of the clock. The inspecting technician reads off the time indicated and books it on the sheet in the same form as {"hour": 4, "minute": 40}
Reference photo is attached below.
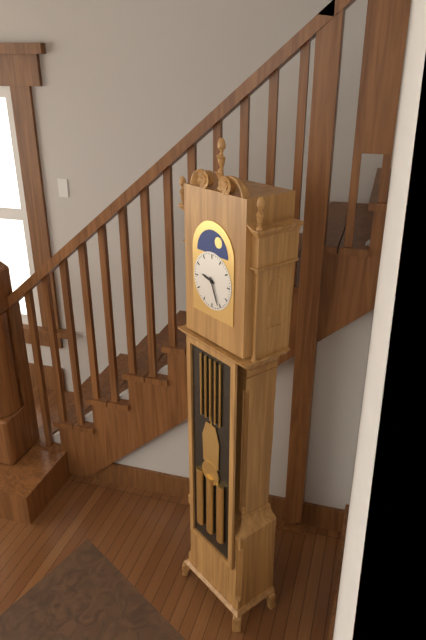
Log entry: {"hour": 9, "minute": 26}
